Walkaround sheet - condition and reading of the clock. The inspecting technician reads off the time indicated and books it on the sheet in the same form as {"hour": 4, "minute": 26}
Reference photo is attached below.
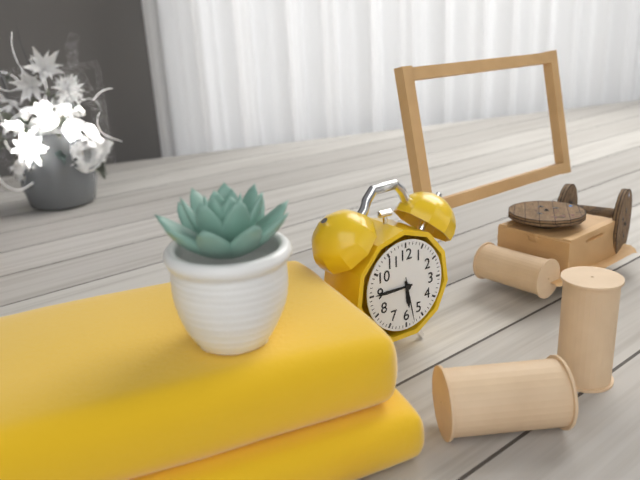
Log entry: {"hour": 5, "minute": 45}
